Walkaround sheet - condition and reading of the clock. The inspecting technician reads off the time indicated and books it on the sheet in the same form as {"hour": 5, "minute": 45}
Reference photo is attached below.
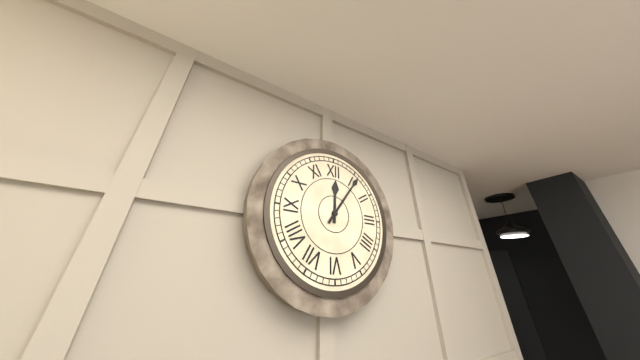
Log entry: {"hour": 12, "minute": 6}
